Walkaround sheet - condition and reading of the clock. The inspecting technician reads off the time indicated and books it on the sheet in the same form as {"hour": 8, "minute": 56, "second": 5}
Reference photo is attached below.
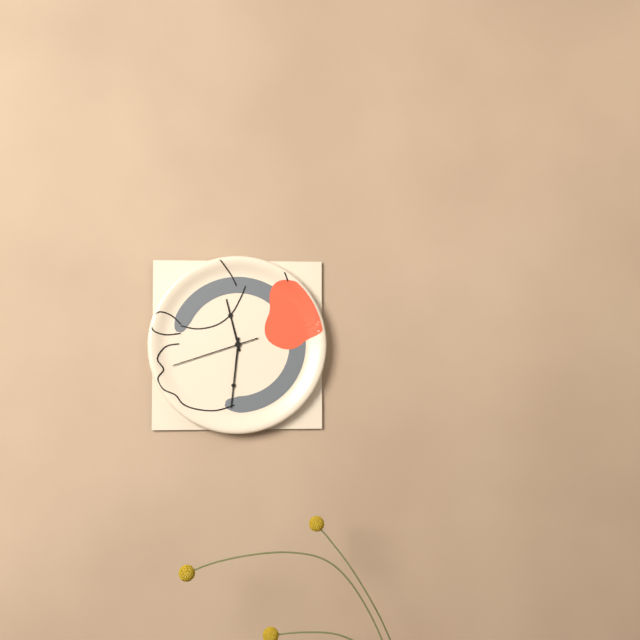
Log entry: {"hour": 11, "minute": 31, "second": 42}
